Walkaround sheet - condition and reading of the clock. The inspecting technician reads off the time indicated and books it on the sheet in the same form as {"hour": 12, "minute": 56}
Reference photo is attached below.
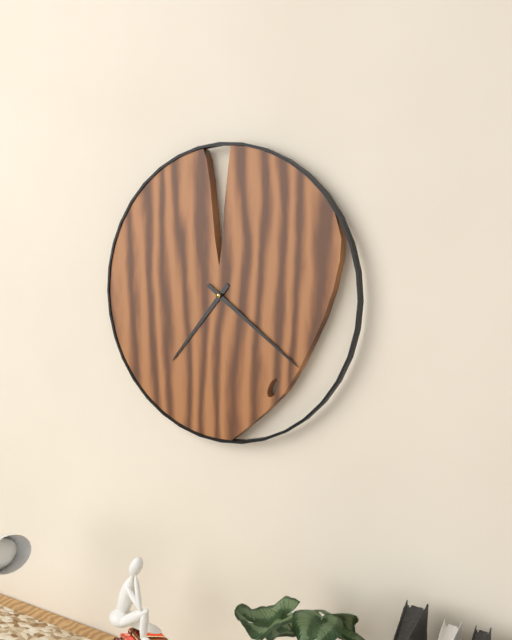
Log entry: {"hour": 7, "minute": 21}
